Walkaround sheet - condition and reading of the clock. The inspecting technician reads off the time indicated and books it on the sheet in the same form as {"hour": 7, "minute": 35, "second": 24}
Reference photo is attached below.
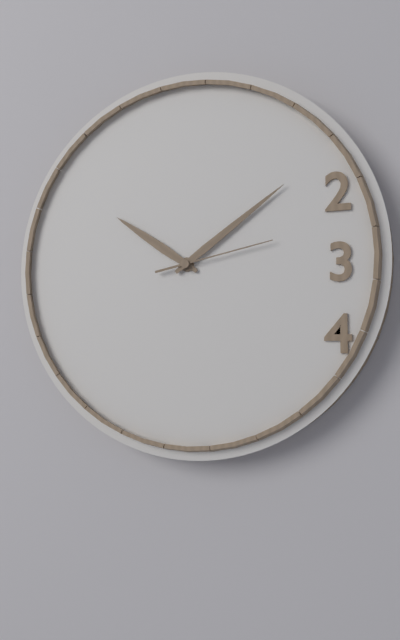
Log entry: {"hour": 10, "minute": 9, "second": 13}
